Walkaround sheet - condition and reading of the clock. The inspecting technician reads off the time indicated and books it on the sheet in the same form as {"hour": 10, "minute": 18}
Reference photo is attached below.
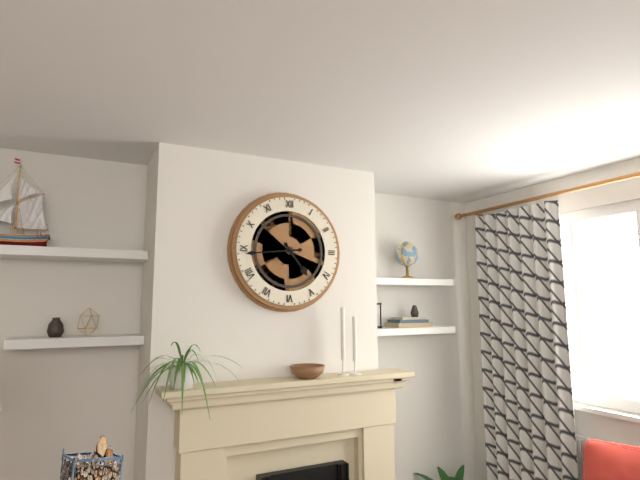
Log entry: {"hour": 4, "minute": 44}
